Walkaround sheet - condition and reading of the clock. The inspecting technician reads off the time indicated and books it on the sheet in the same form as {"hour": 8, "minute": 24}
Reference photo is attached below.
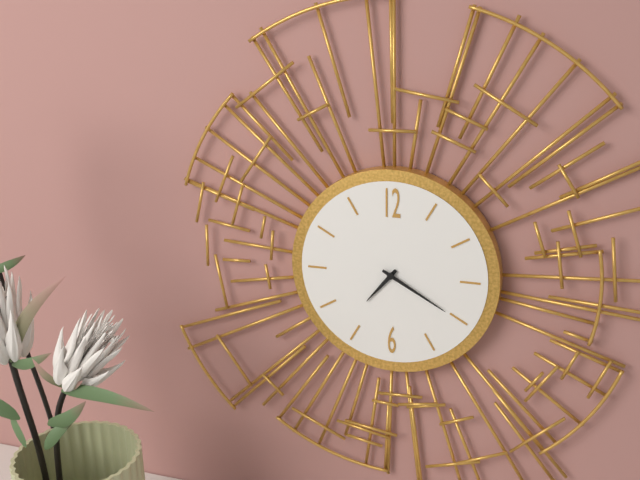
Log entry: {"hour": 7, "minute": 20}
